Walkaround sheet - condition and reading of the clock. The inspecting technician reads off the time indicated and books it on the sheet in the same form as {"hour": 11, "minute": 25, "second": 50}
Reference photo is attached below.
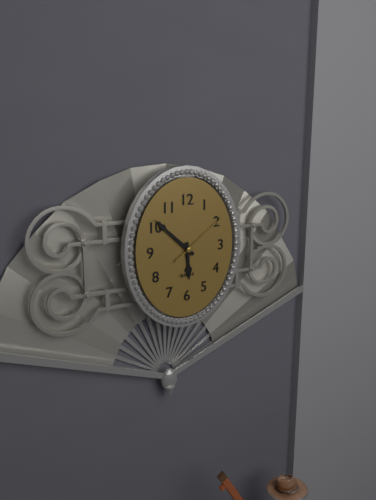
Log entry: {"hour": 5, "minute": 52, "second": 9}
